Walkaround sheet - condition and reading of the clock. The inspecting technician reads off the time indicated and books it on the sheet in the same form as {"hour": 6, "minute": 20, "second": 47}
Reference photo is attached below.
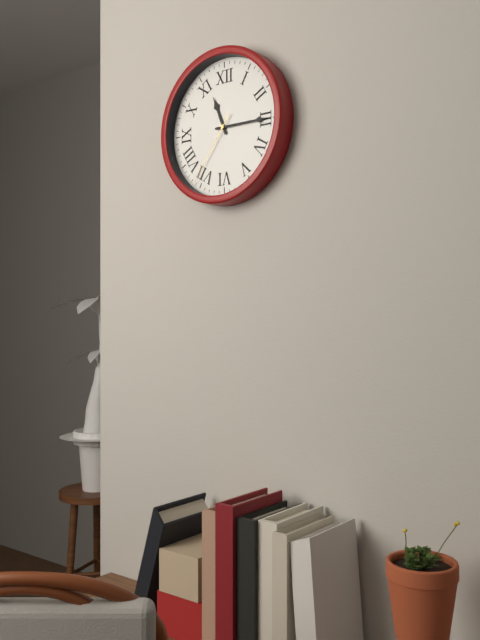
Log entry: {"hour": 11, "minute": 15, "second": 36}
